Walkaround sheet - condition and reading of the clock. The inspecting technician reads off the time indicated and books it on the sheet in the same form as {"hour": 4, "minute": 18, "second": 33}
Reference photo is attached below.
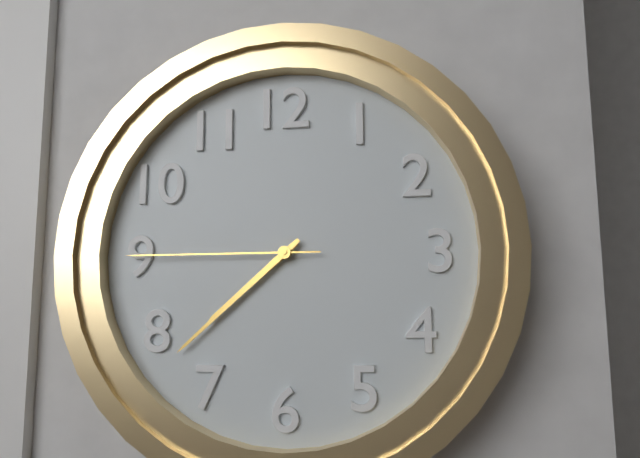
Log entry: {"hour": 7, "minute": 38, "second": 45}
